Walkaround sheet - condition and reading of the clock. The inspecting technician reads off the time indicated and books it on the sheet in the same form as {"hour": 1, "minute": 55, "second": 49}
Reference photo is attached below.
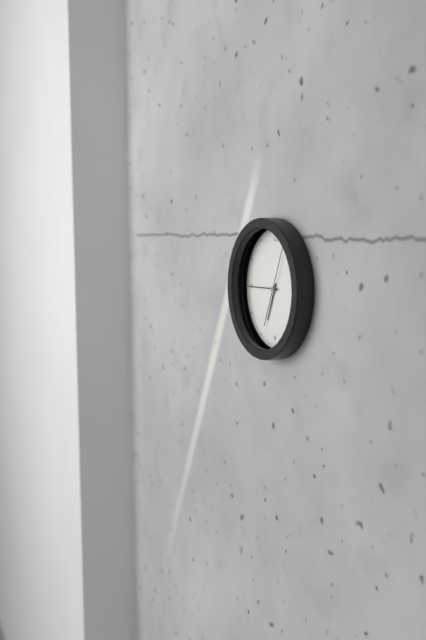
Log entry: {"hour": 6, "minute": 45, "second": 4}
